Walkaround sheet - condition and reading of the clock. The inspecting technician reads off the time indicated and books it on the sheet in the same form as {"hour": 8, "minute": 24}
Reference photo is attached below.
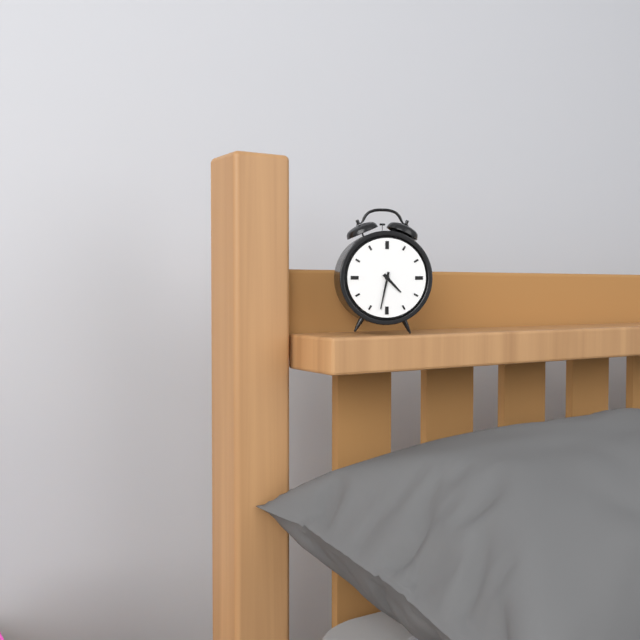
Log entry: {"hour": 4, "minute": 32}
